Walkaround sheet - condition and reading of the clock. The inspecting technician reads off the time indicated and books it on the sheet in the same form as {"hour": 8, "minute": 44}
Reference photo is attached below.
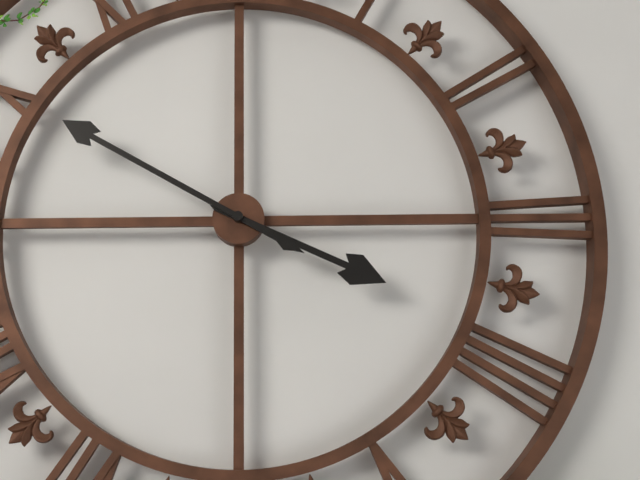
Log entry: {"hour": 3, "minute": 50}
